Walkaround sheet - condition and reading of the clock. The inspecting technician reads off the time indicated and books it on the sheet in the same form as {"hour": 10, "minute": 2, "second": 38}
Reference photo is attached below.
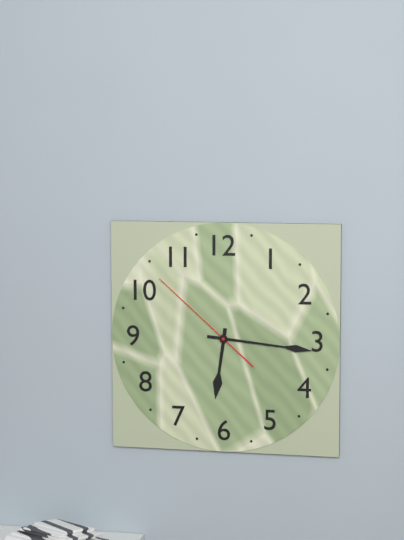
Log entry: {"hour": 6, "minute": 16, "second": 52}
